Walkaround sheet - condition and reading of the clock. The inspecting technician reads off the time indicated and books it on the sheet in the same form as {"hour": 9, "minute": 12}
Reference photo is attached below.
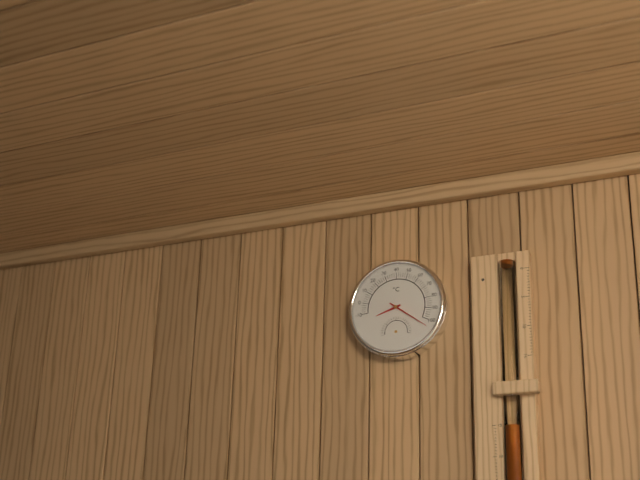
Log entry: {"hour": 8, "minute": 21}
